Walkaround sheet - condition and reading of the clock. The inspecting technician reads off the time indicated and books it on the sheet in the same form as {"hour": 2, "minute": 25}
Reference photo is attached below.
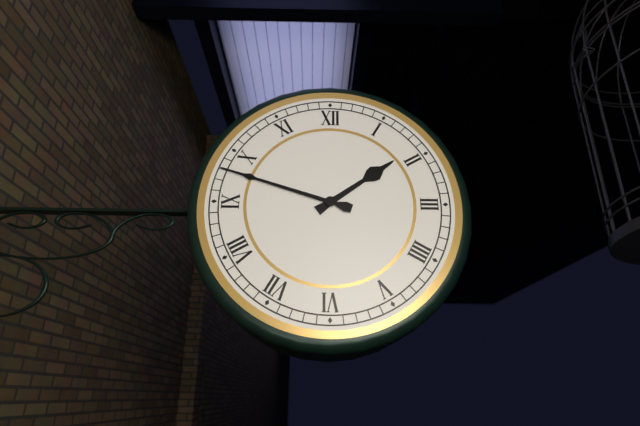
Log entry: {"hour": 1, "minute": 48}
